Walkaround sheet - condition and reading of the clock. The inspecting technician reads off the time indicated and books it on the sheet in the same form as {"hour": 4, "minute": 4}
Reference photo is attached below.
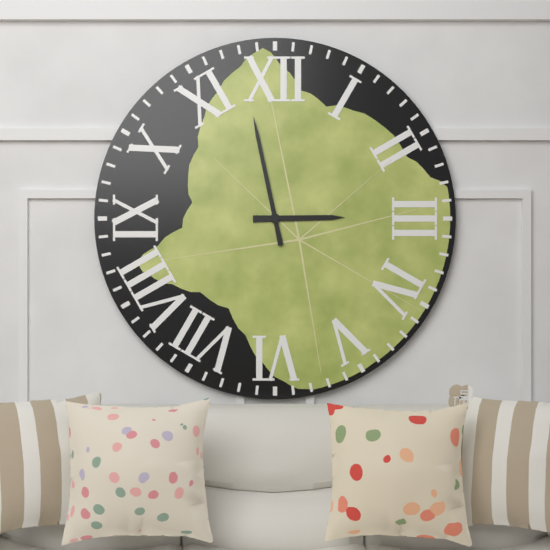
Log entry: {"hour": 2, "minute": 58}
